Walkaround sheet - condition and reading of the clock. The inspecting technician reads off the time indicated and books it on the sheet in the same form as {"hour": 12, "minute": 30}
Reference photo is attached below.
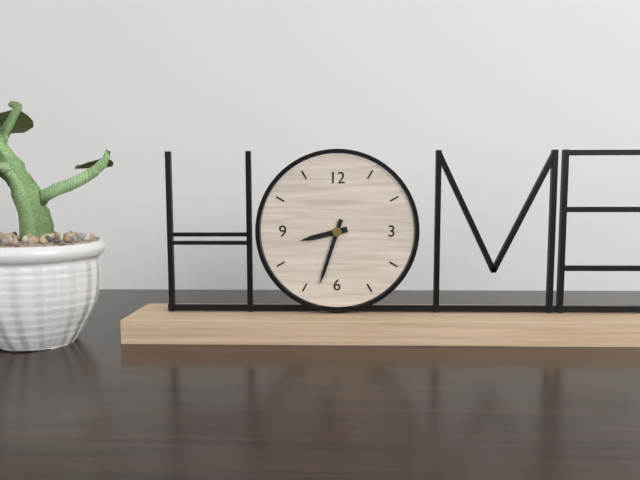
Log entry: {"hour": 8, "minute": 33}
